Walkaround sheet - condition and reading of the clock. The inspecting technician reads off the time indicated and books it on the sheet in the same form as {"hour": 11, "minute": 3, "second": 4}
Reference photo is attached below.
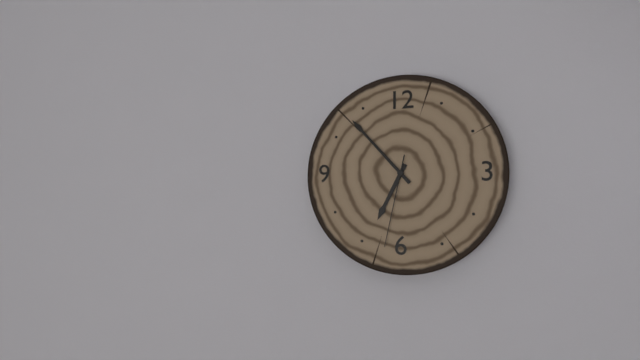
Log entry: {"hour": 6, "minute": 53, "second": 32}
